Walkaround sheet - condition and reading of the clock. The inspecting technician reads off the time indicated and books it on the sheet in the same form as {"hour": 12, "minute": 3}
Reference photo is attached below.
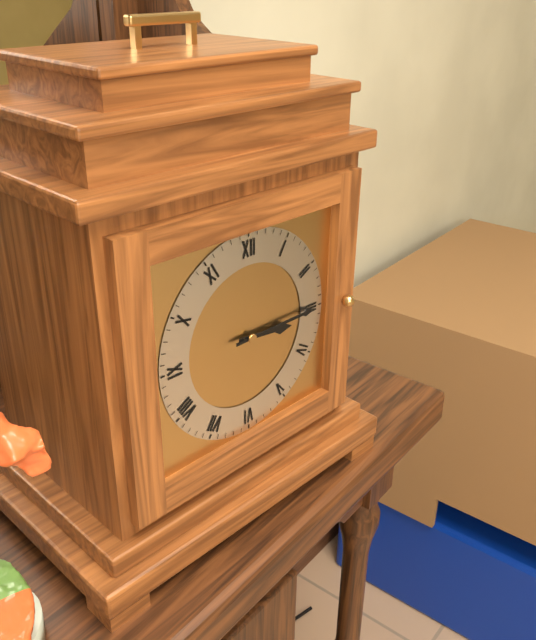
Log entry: {"hour": 3, "minute": 15}
